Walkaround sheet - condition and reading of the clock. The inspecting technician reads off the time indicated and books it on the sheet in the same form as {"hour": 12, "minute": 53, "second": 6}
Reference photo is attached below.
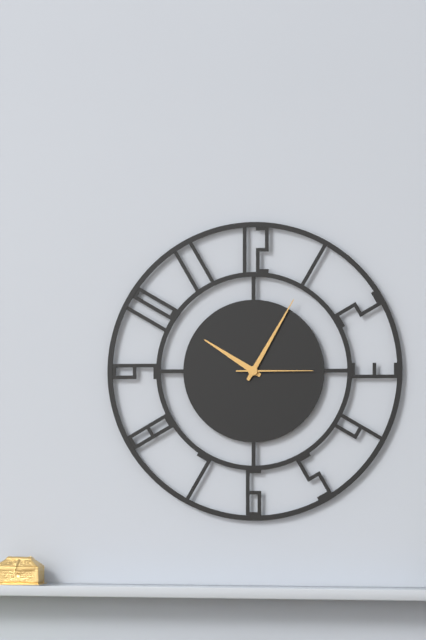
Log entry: {"hour": 10, "minute": 5, "second": 15}
